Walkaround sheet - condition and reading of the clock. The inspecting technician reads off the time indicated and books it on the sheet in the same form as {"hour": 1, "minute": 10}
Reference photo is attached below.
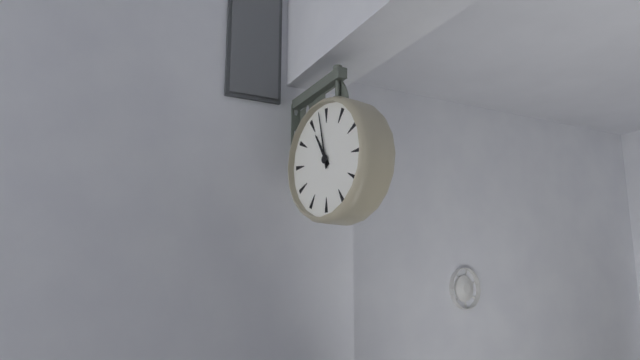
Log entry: {"hour": 10, "minute": 58}
